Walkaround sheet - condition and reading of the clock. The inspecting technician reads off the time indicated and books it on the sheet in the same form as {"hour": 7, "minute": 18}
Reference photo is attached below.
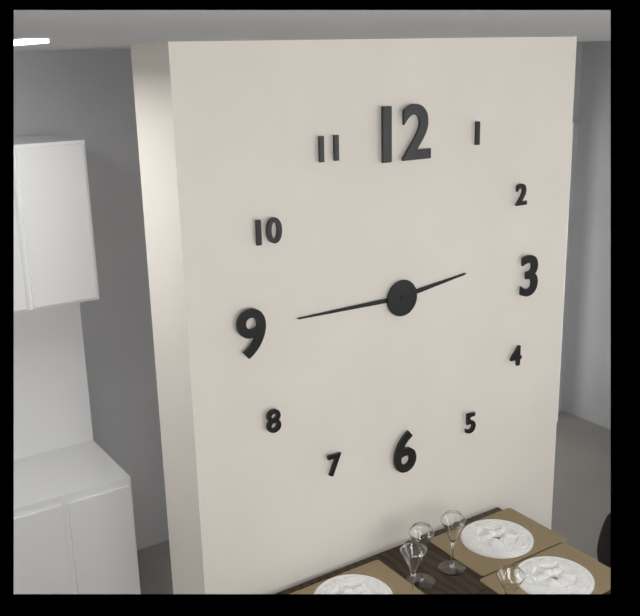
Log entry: {"hour": 2, "minute": 45}
